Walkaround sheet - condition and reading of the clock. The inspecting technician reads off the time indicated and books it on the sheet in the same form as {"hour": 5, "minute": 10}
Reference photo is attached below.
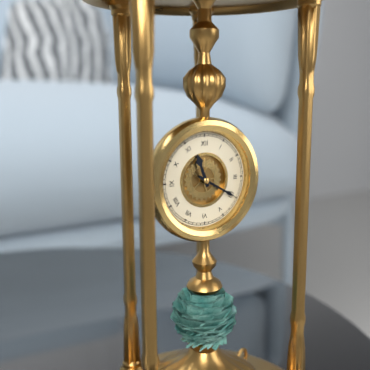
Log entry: {"hour": 11, "minute": 20}
